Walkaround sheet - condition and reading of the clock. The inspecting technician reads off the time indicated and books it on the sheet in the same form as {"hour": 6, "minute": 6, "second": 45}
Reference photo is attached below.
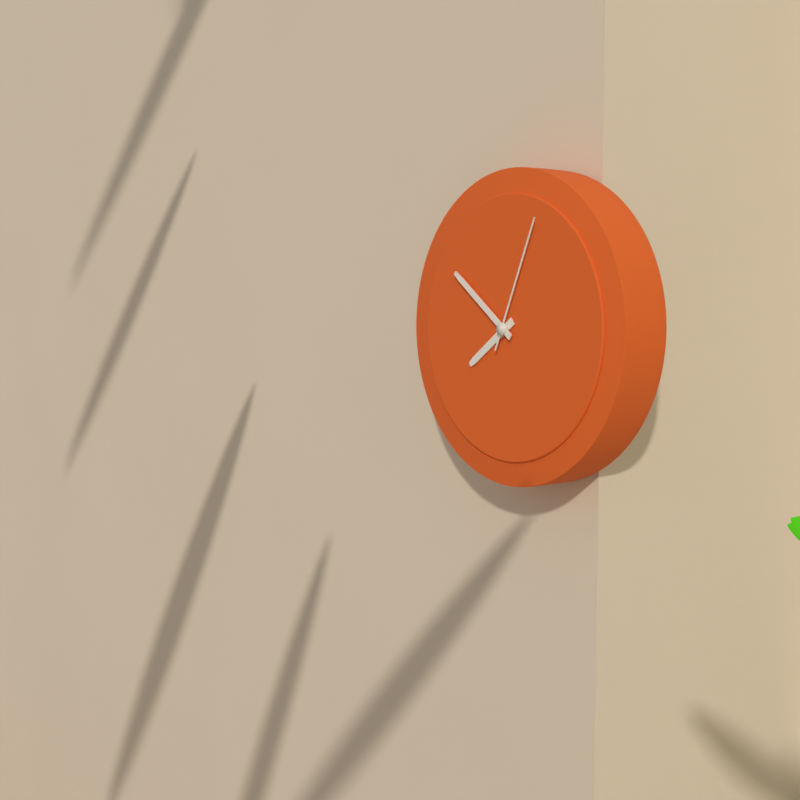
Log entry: {"hour": 7, "minute": 51, "second": 4}
